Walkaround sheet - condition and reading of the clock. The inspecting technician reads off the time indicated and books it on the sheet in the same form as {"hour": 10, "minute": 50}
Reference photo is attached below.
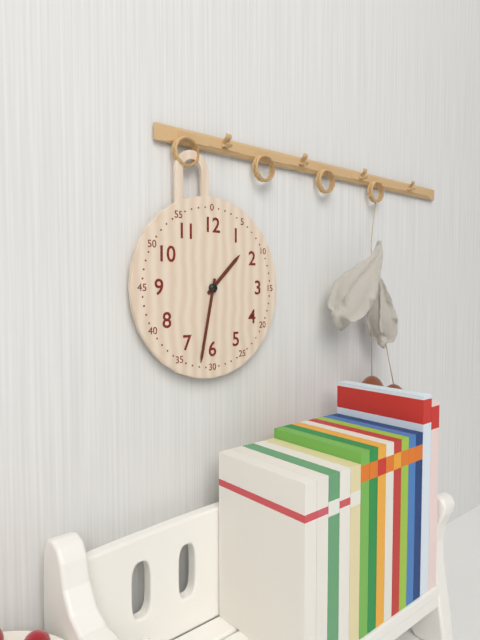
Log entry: {"hour": 1, "minute": 32}
